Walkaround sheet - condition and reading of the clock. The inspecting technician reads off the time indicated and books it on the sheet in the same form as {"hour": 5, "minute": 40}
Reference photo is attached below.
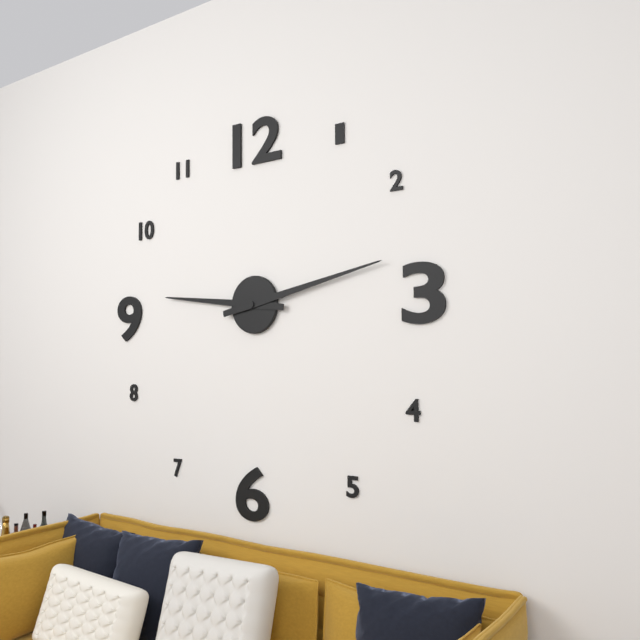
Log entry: {"hour": 9, "minute": 13}
